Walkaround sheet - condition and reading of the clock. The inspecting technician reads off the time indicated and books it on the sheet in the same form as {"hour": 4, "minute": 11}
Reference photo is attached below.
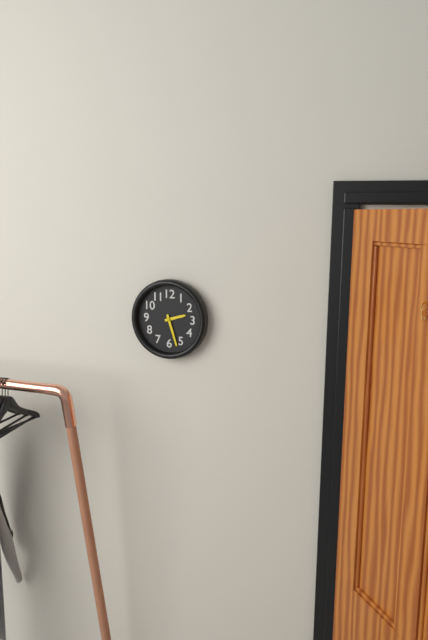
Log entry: {"hour": 2, "minute": 27}
